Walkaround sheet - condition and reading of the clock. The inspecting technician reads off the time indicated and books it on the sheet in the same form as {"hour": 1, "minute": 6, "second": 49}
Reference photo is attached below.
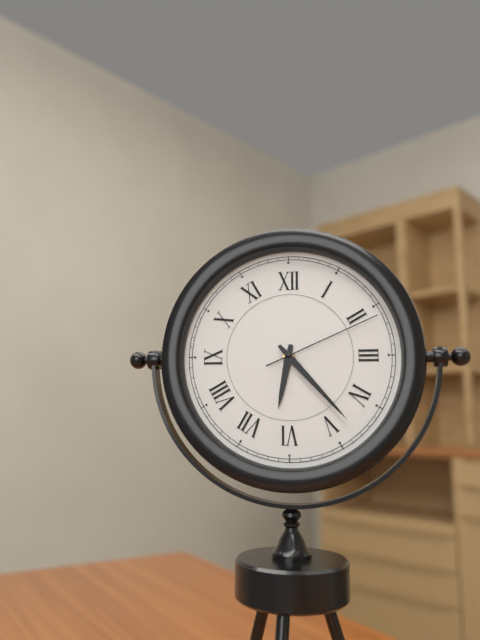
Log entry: {"hour": 6, "minute": 23, "second": 11}
